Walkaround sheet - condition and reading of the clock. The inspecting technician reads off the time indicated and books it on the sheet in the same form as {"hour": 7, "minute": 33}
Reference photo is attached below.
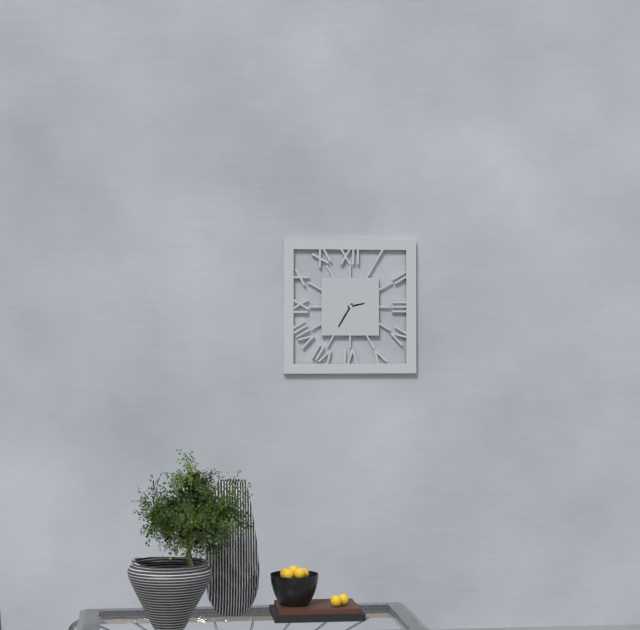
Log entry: {"hour": 2, "minute": 35}
